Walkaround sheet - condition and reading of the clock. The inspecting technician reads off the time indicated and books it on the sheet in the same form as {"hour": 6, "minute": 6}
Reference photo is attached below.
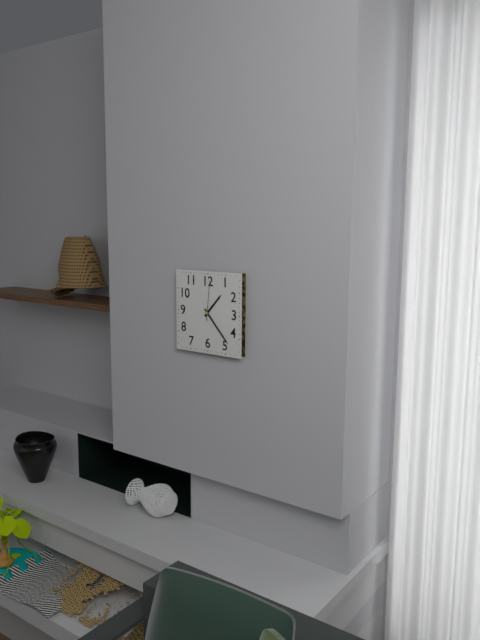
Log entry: {"hour": 1, "minute": 23}
